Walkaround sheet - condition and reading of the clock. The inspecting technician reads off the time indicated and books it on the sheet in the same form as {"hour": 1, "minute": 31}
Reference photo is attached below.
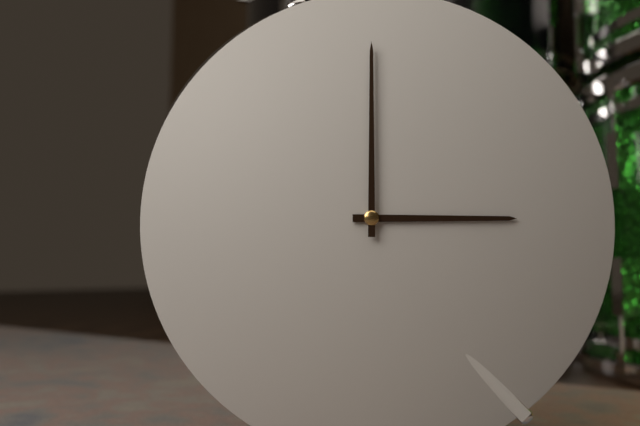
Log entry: {"hour": 3, "minute": 0}
